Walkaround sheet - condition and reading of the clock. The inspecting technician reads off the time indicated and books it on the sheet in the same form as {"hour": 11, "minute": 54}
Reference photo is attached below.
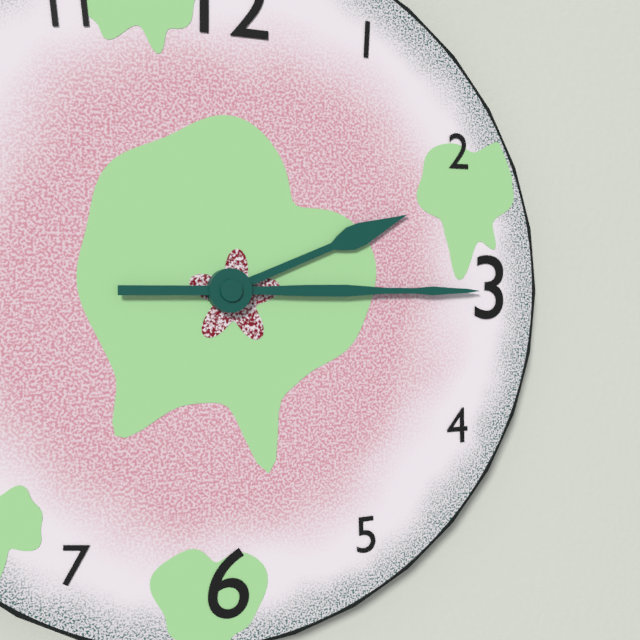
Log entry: {"hour": 2, "minute": 15}
